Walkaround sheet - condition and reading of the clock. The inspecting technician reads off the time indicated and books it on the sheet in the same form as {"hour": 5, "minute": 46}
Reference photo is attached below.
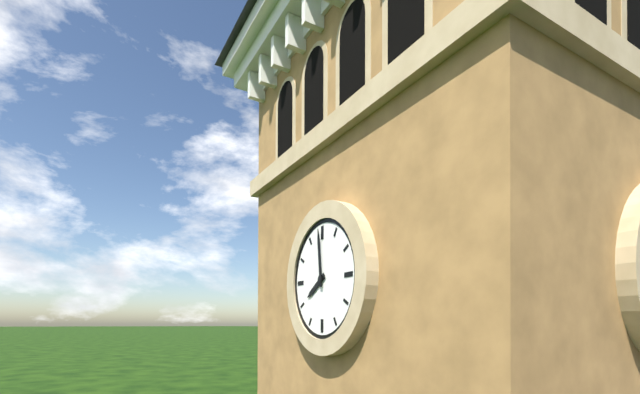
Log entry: {"hour": 7, "minute": 59}
